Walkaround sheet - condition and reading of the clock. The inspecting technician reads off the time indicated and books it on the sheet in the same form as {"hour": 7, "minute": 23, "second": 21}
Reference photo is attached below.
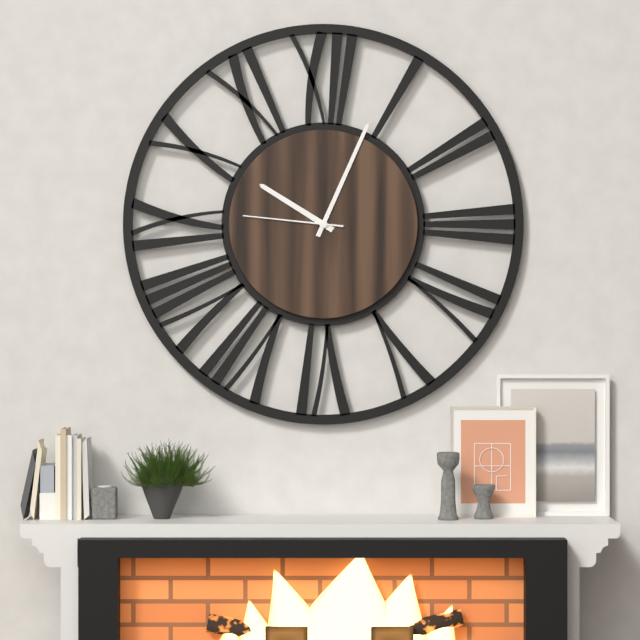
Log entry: {"hour": 10, "minute": 4, "second": 46}
